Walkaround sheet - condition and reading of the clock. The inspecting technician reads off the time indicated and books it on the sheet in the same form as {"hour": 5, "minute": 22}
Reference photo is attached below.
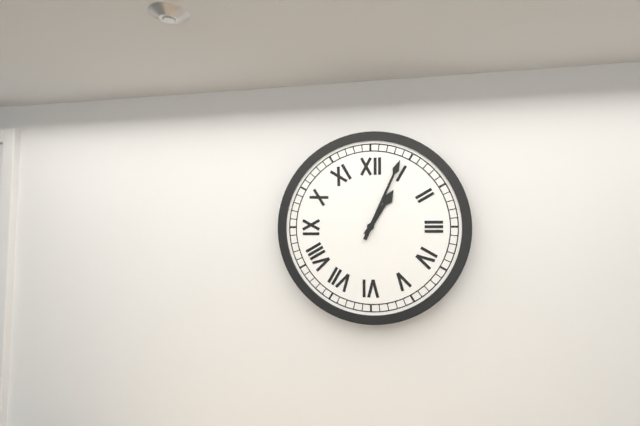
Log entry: {"hour": 1, "minute": 4}
